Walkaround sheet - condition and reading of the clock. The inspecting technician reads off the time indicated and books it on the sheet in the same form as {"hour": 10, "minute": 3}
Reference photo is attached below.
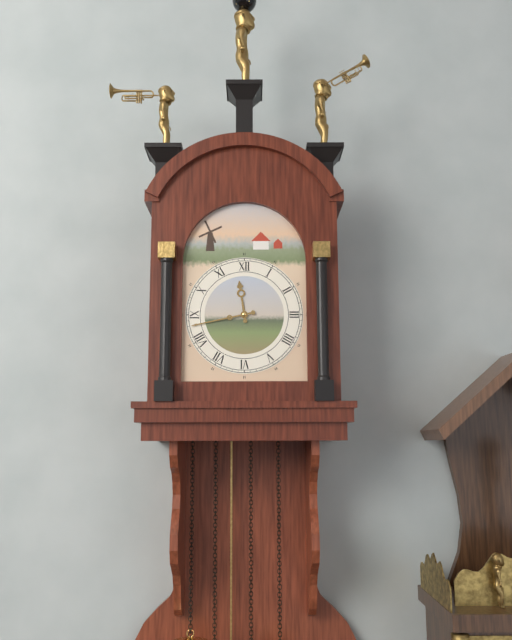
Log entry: {"hour": 11, "minute": 43}
